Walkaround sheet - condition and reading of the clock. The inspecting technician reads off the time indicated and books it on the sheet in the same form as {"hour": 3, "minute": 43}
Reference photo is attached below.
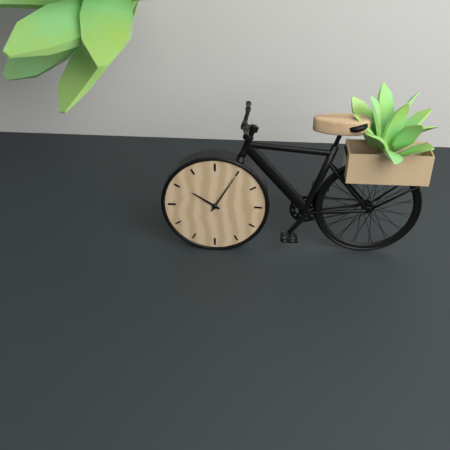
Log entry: {"hour": 10, "minute": 5}
